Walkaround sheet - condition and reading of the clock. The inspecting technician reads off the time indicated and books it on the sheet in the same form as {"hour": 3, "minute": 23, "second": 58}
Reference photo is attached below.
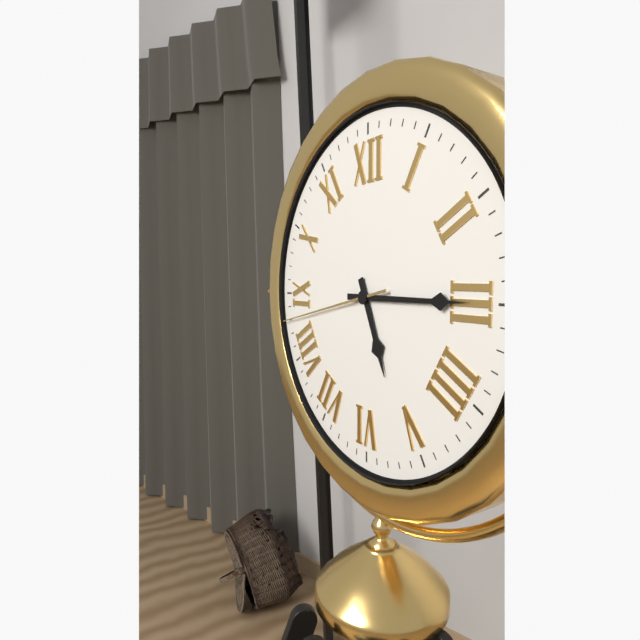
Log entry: {"hour": 5, "minute": 15, "second": 43}
